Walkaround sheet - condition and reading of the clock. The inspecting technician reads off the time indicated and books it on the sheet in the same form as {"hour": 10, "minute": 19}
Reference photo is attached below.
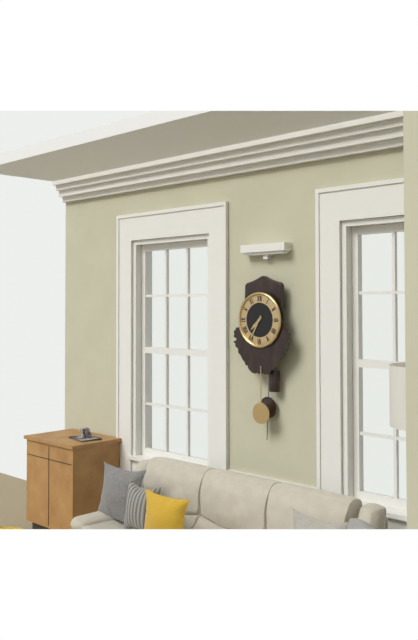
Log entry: {"hour": 7, "minute": 35}
